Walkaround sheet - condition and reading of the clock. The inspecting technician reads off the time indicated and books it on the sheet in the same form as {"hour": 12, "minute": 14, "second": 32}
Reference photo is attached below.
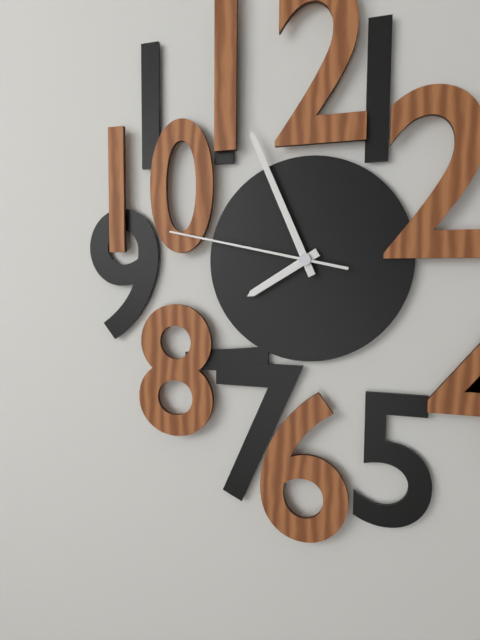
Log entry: {"hour": 7, "minute": 56, "second": 47}
